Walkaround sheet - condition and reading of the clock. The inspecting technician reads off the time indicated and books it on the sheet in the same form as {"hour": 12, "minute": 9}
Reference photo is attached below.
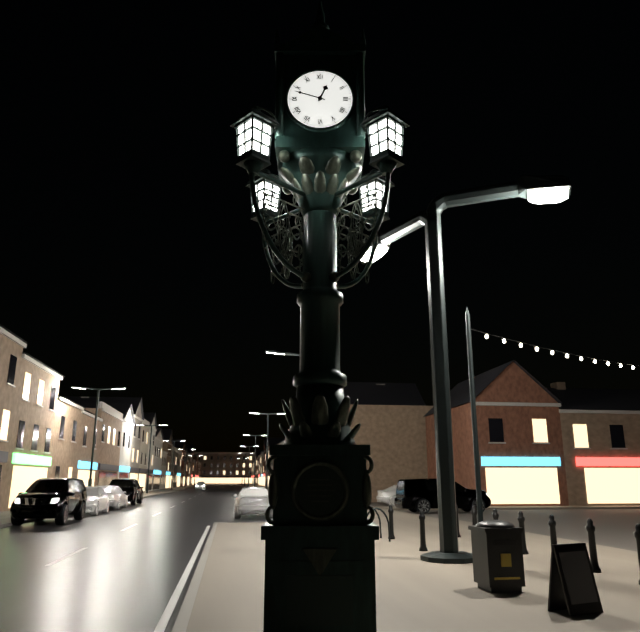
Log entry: {"hour": 12, "minute": 48}
